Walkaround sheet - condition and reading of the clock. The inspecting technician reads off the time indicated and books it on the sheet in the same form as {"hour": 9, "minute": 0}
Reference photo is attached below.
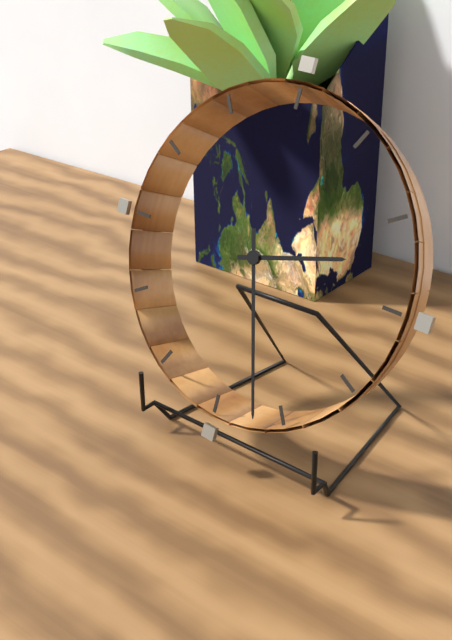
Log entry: {"hour": 2, "minute": 27}
